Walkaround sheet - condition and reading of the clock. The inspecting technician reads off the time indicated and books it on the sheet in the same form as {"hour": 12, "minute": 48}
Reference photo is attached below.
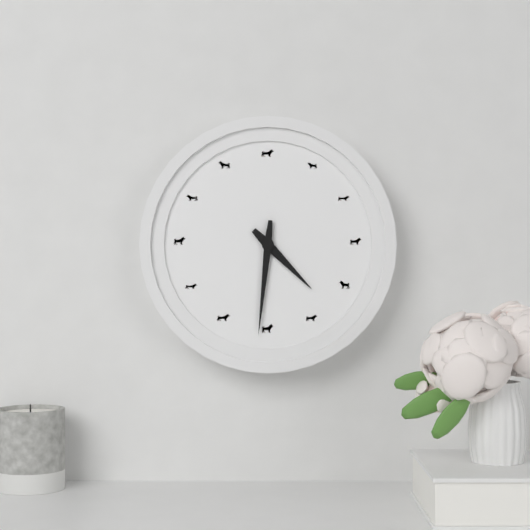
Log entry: {"hour": 4, "minute": 31}
